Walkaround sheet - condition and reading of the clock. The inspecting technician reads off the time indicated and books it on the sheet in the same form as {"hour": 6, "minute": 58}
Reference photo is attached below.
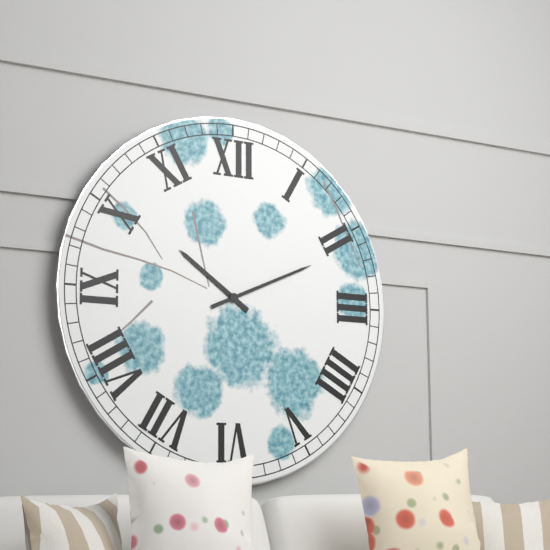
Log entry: {"hour": 10, "minute": 11}
